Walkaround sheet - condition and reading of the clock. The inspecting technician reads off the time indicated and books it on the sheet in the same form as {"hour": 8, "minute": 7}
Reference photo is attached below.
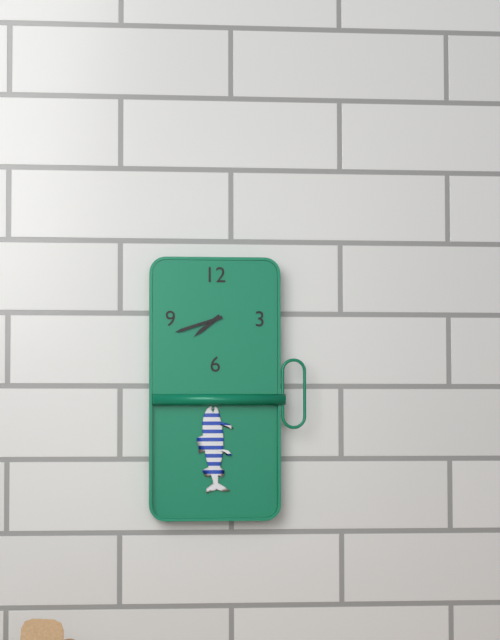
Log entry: {"hour": 7, "minute": 42}
